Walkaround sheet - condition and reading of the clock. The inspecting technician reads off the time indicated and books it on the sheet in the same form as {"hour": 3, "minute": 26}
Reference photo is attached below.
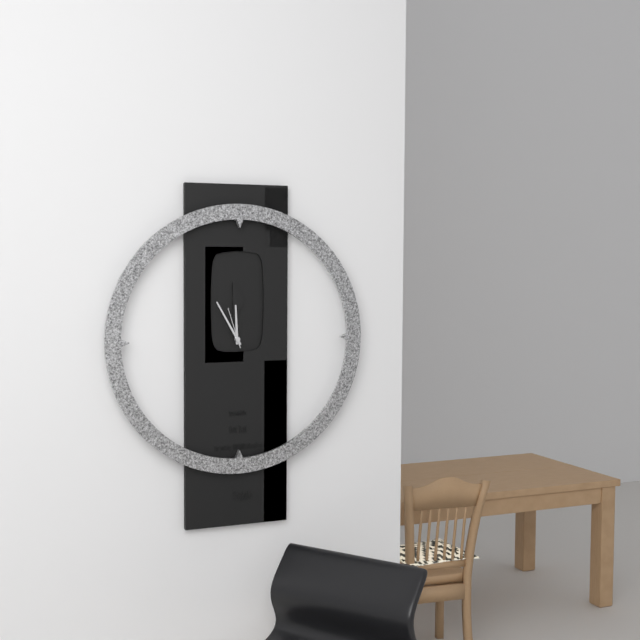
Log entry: {"hour": 11, "minute": 55}
